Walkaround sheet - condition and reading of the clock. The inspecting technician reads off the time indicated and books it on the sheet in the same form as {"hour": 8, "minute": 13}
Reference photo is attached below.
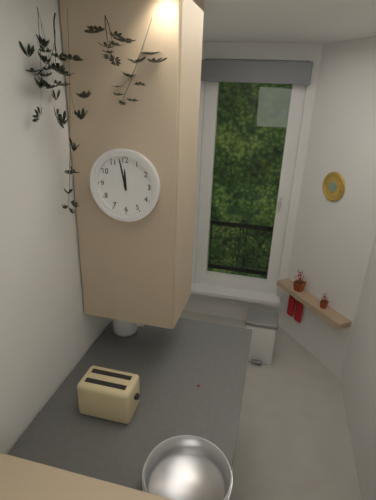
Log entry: {"hour": 11, "minute": 58}
